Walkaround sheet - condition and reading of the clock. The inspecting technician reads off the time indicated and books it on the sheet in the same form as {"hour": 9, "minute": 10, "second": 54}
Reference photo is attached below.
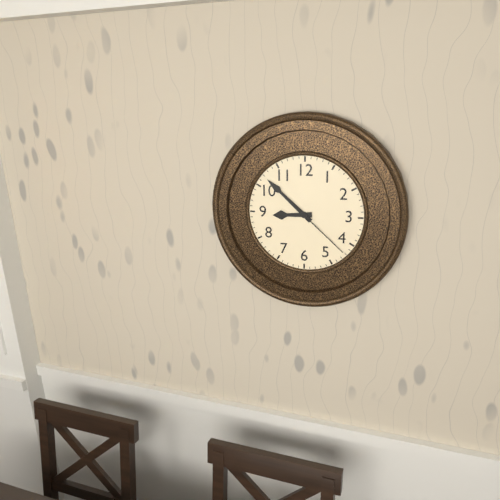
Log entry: {"hour": 8, "minute": 52, "second": 22}
